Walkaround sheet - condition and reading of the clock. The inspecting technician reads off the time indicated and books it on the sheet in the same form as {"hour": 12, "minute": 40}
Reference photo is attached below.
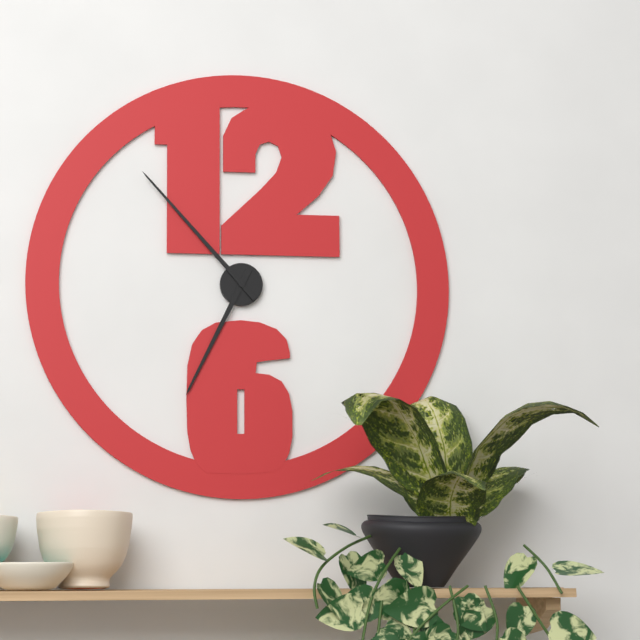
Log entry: {"hour": 6, "minute": 53}
